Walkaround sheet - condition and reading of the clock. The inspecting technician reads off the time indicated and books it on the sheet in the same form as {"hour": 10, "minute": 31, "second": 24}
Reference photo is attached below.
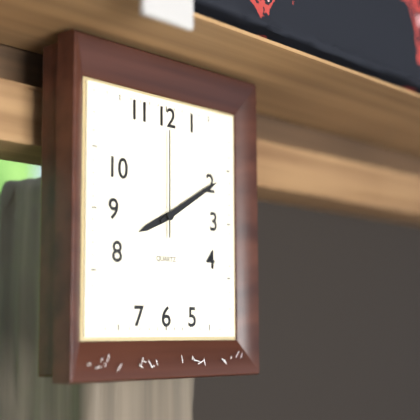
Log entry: {"hour": 8, "minute": 10, "second": 0}
